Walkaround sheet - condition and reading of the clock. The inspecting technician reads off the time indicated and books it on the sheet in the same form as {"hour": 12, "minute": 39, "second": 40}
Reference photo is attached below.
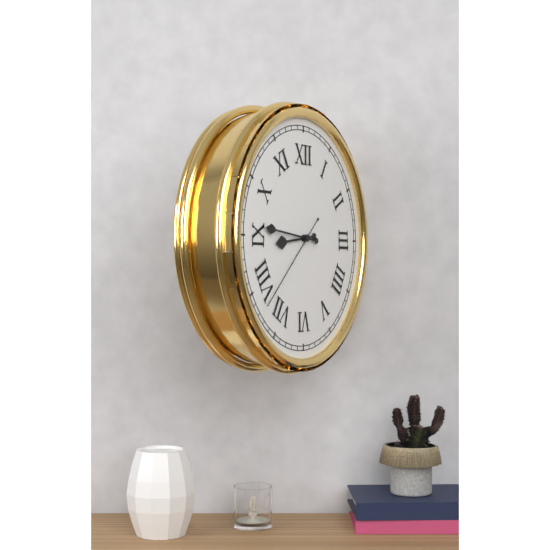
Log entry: {"hour": 8, "minute": 46, "second": 38}
